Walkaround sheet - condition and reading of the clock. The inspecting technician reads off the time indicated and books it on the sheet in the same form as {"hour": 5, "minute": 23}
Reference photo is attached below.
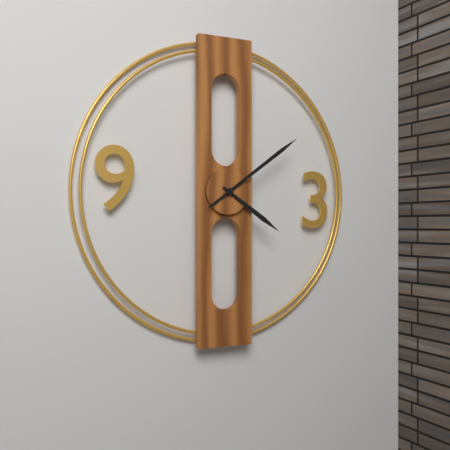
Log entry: {"hour": 4, "minute": 9}
